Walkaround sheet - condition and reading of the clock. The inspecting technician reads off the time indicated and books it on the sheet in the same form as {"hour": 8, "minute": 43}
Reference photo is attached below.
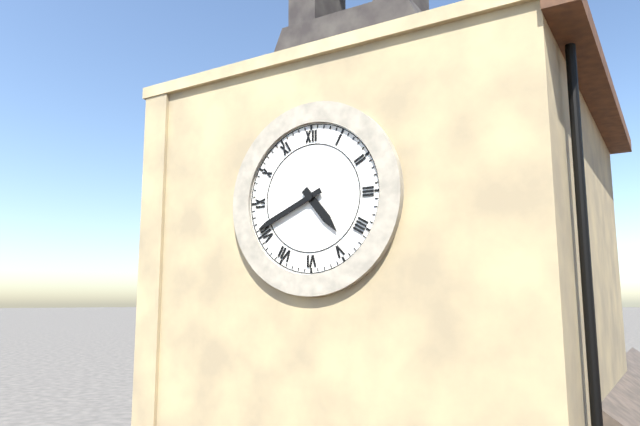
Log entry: {"hour": 4, "minute": 41}
